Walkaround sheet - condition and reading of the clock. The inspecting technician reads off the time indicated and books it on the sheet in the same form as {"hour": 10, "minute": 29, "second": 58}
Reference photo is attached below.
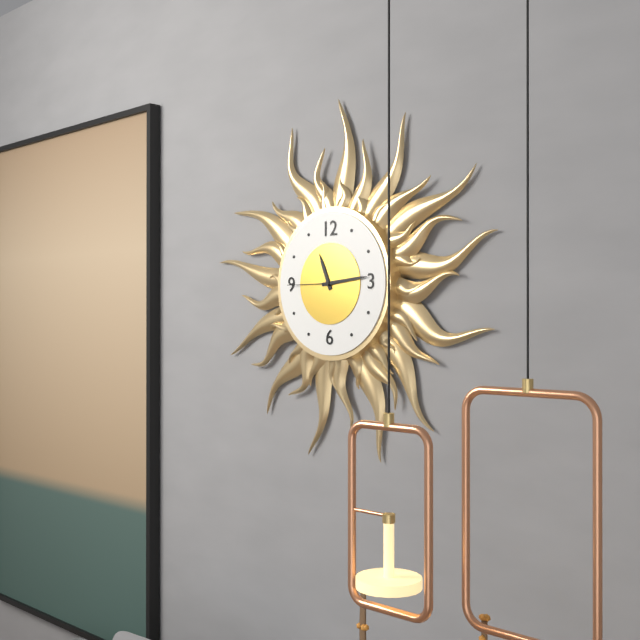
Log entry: {"hour": 11, "minute": 14, "second": 45}
